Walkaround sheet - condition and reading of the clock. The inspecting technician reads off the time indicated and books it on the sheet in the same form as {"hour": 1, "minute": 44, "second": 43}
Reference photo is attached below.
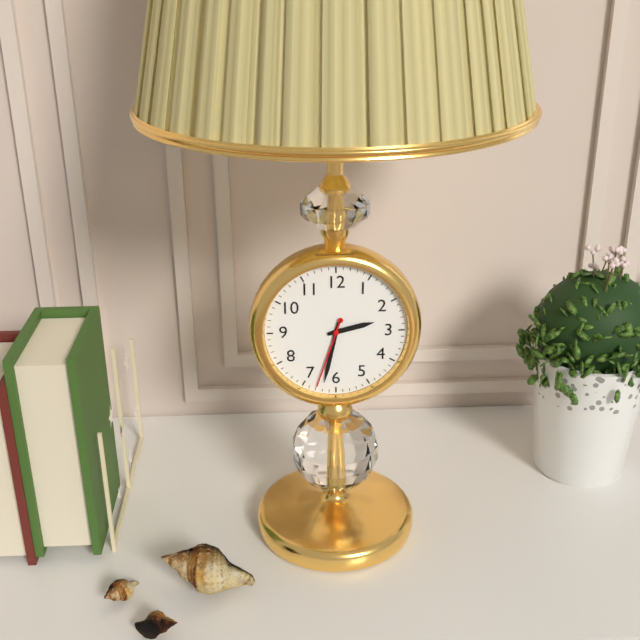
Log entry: {"hour": 2, "minute": 32, "second": 33}
